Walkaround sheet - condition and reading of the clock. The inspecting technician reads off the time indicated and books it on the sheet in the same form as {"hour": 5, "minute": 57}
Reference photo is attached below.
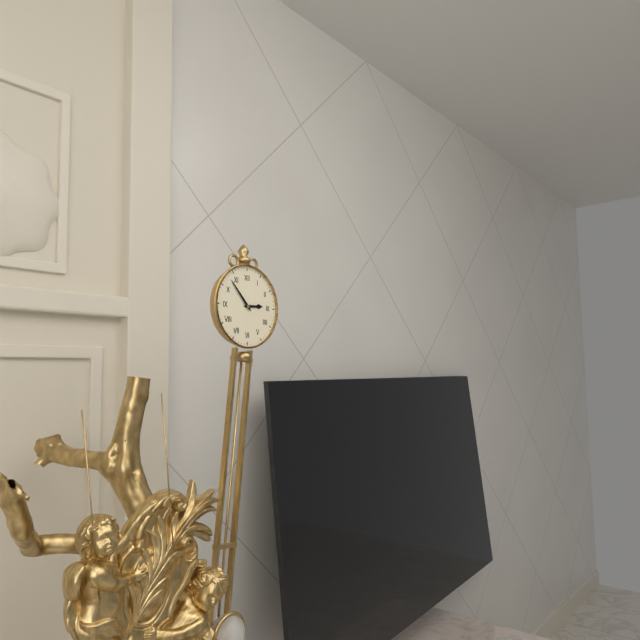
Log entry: {"hour": 2, "minute": 53}
